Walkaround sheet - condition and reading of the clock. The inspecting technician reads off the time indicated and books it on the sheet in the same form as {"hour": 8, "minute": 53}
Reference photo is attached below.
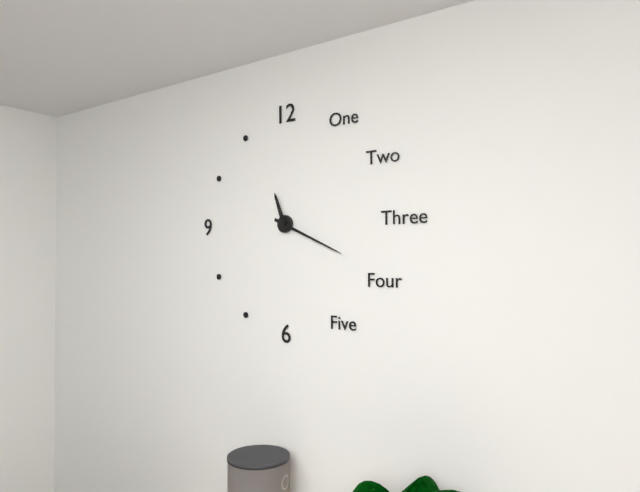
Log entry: {"hour": 11, "minute": 19}
